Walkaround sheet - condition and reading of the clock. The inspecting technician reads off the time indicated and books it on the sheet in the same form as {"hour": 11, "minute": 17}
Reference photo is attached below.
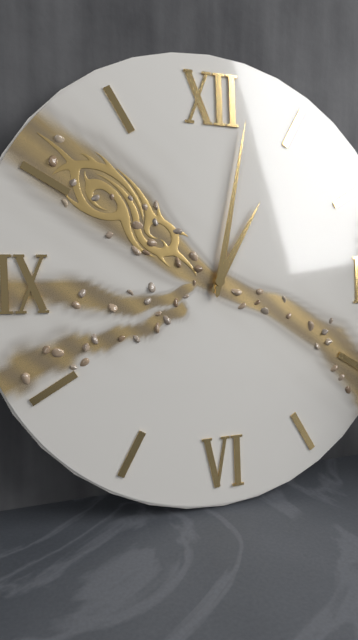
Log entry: {"hour": 1, "minute": 2}
